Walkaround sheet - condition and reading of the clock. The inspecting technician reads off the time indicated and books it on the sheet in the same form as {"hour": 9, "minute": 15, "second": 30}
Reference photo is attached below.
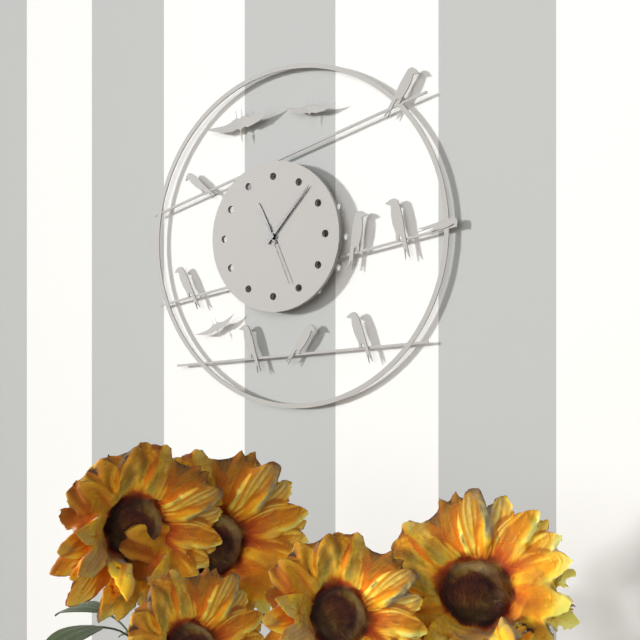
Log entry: {"hour": 11, "minute": 7, "second": 26}
